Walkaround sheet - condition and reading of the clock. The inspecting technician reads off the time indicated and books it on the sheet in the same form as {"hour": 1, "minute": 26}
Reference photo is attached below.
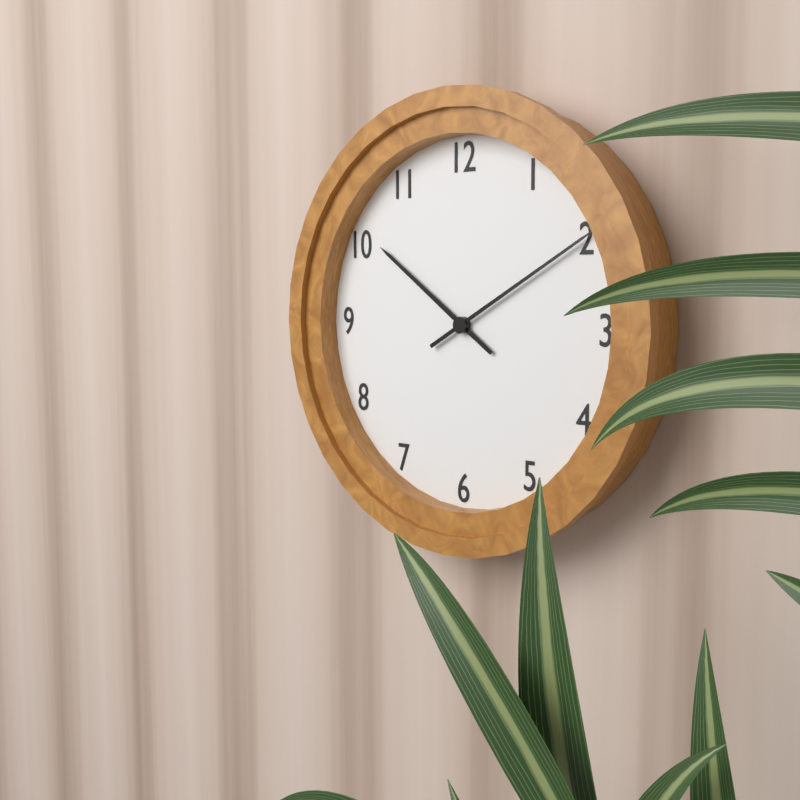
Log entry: {"hour": 10, "minute": 10}
